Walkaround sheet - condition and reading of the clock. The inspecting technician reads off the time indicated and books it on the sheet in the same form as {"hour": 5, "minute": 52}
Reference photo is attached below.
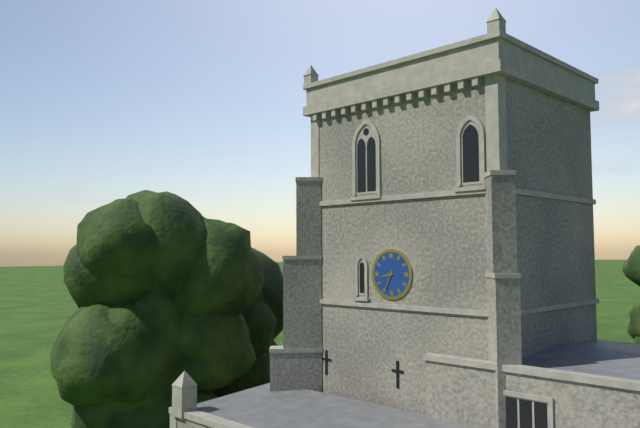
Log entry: {"hour": 8, "minute": 34}
